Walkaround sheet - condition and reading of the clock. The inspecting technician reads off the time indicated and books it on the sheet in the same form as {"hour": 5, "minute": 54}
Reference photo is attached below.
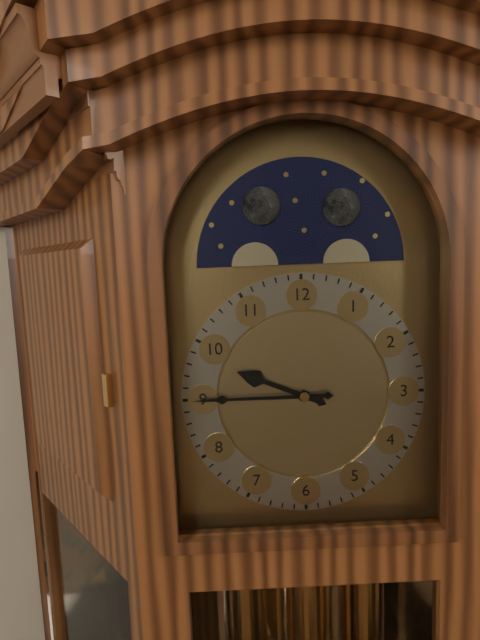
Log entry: {"hour": 9, "minute": 45}
